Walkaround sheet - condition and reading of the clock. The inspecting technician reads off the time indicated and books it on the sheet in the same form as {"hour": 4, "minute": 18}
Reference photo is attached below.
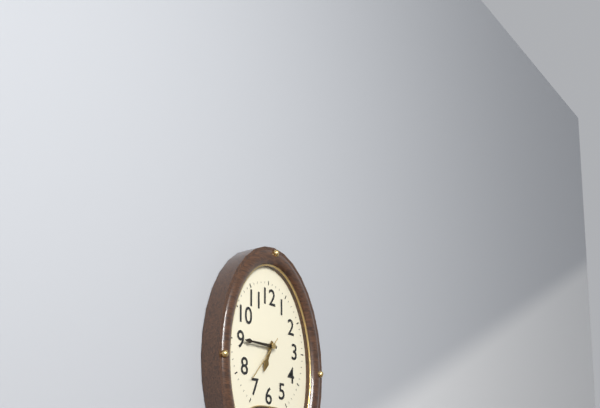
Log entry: {"hour": 6, "minute": 45}
